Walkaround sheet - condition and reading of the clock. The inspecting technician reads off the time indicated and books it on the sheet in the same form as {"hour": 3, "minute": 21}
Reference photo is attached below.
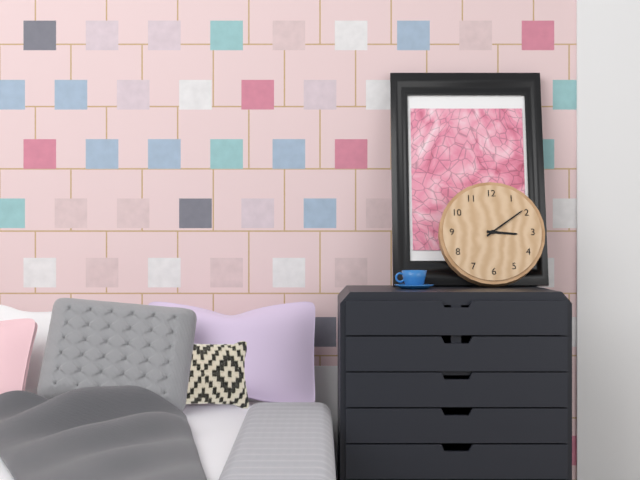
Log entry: {"hour": 3, "minute": 9}
